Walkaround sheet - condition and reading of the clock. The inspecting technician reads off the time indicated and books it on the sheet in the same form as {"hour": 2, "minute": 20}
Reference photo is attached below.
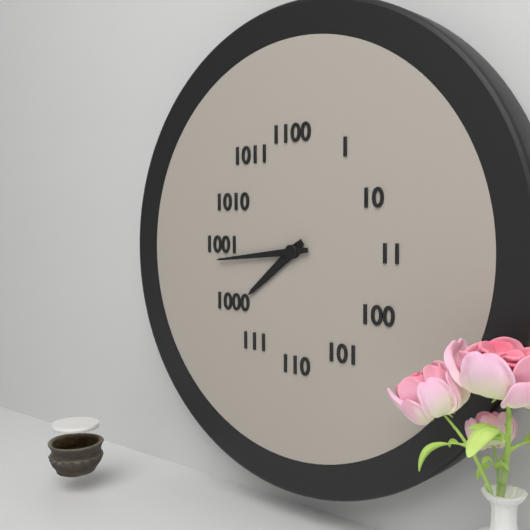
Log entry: {"hour": 7, "minute": 44}
